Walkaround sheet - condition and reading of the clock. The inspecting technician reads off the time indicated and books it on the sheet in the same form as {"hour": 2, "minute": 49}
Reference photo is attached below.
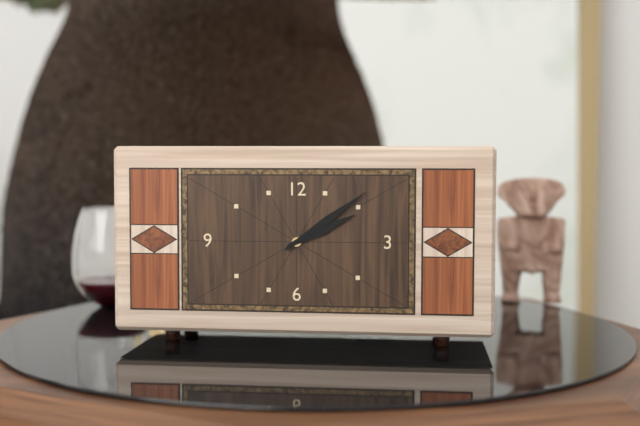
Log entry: {"hour": 2, "minute": 9}
